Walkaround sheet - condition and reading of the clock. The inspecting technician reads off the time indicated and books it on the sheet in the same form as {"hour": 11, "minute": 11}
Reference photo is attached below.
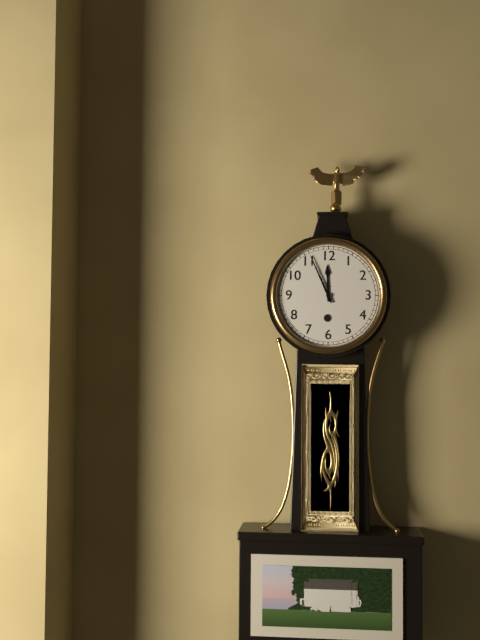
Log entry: {"hour": 11, "minute": 56}
